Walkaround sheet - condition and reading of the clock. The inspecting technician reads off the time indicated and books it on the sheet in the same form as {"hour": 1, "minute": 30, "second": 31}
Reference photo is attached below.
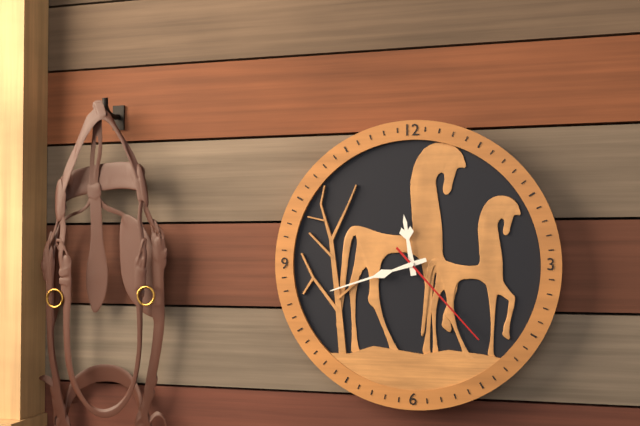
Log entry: {"hour": 11, "minute": 42, "second": 23}
